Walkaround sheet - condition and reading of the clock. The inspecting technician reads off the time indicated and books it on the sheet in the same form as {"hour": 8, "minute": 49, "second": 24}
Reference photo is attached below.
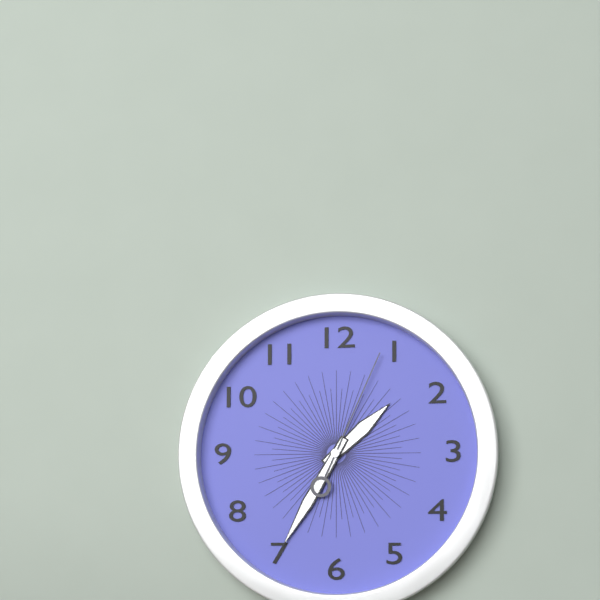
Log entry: {"hour": 1, "minute": 35, "second": 4}
